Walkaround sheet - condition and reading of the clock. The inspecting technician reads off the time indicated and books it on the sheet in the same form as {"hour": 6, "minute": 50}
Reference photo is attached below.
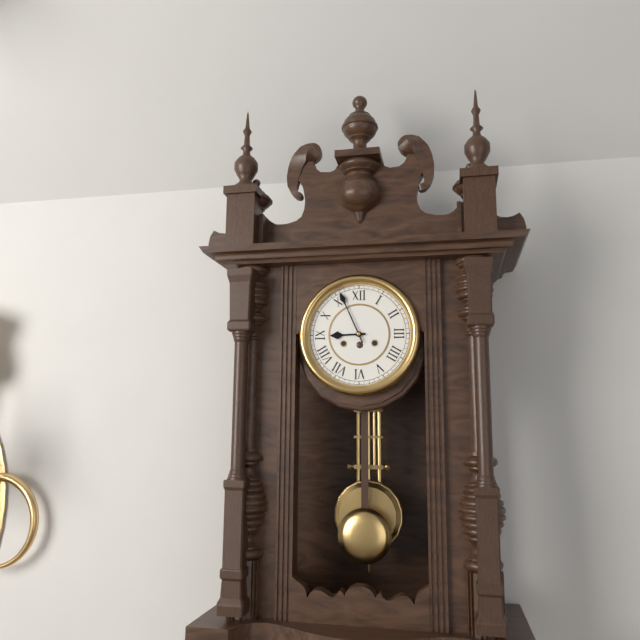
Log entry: {"hour": 8, "minute": 56}
